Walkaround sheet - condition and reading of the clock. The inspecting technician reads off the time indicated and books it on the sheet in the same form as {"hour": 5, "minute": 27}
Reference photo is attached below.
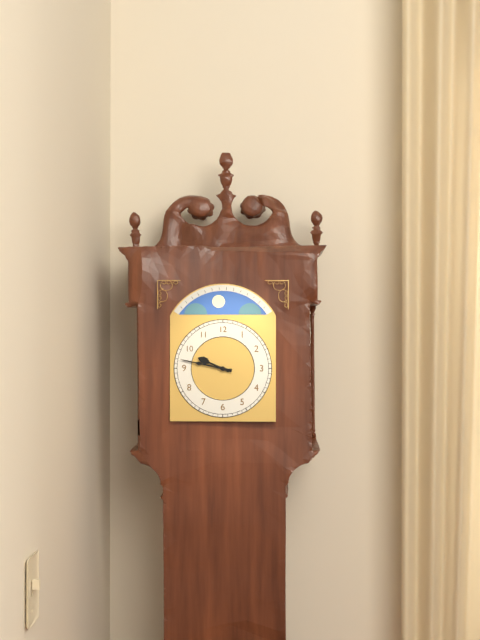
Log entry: {"hour": 9, "minute": 47}
